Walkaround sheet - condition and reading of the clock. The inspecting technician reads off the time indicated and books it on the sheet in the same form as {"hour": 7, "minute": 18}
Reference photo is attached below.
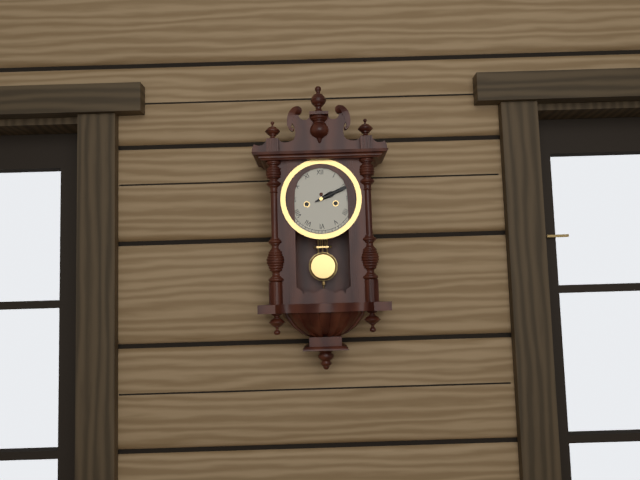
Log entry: {"hour": 2, "minute": 11}
